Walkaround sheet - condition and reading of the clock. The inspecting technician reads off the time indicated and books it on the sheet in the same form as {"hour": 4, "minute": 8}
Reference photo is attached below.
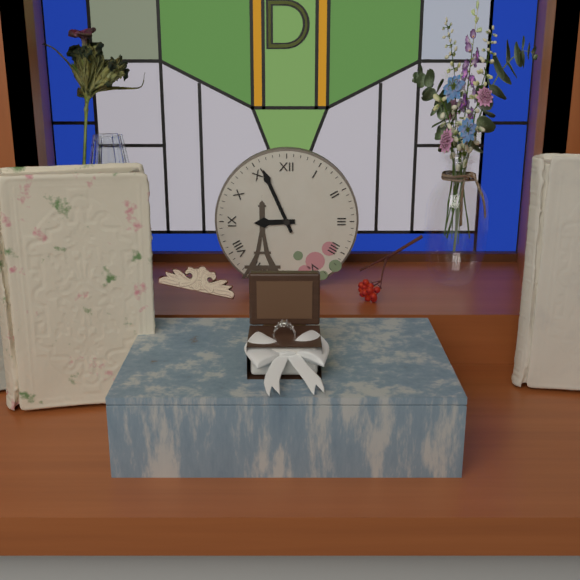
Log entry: {"hour": 8, "minute": 56}
